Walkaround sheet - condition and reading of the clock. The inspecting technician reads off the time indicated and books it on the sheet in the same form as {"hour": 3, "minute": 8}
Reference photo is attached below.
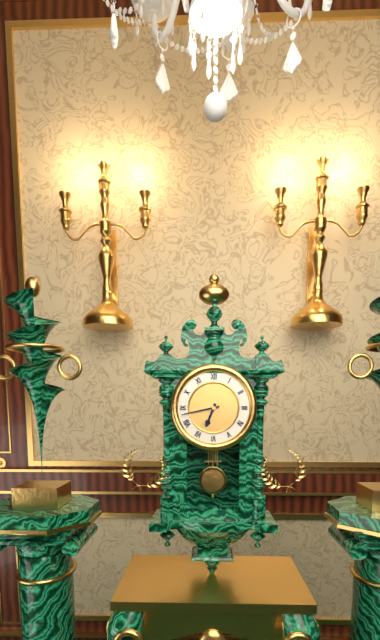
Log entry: {"hour": 6, "minute": 43}
